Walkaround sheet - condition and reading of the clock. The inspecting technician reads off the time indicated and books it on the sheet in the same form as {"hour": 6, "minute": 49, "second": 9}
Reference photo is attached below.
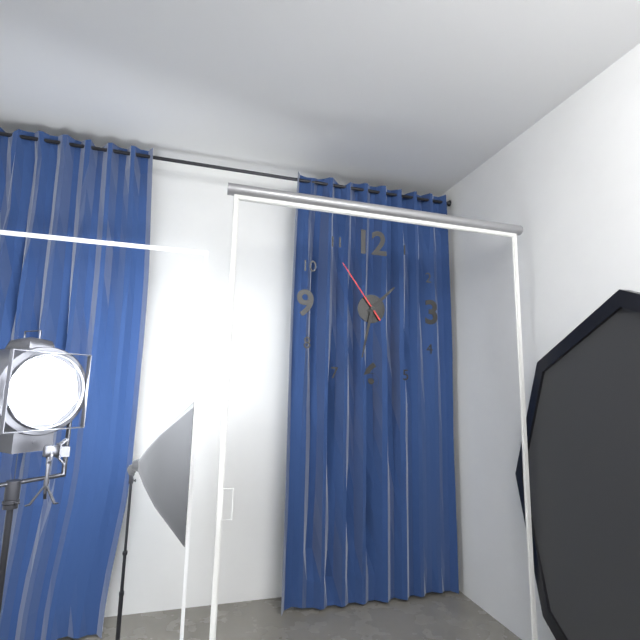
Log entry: {"hour": 1, "minute": 32, "second": 54}
